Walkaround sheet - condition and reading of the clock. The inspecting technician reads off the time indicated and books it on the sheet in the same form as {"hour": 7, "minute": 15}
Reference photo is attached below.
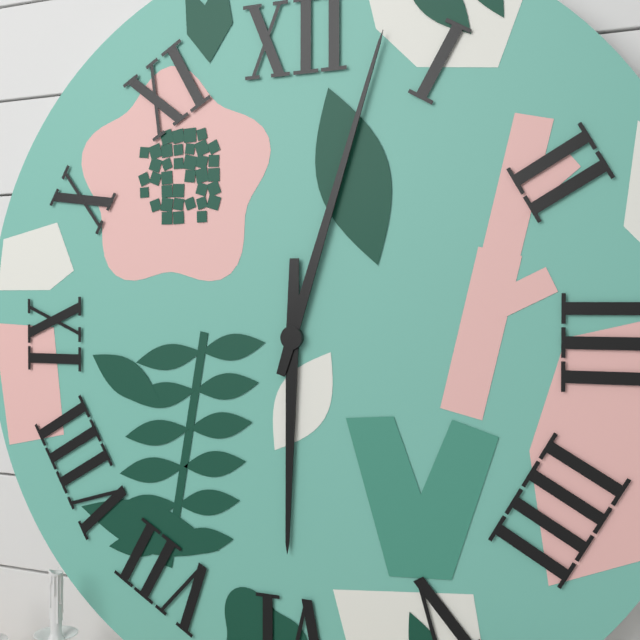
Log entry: {"hour": 6, "minute": 3}
